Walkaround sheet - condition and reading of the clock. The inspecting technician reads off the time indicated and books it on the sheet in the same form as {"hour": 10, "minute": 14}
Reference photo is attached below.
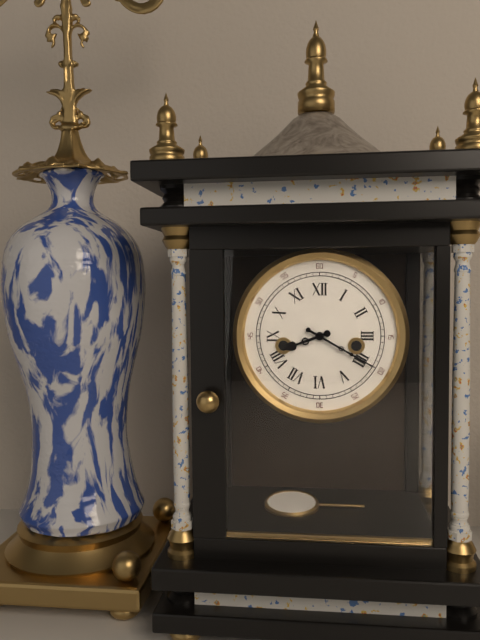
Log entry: {"hour": 8, "minute": 20}
